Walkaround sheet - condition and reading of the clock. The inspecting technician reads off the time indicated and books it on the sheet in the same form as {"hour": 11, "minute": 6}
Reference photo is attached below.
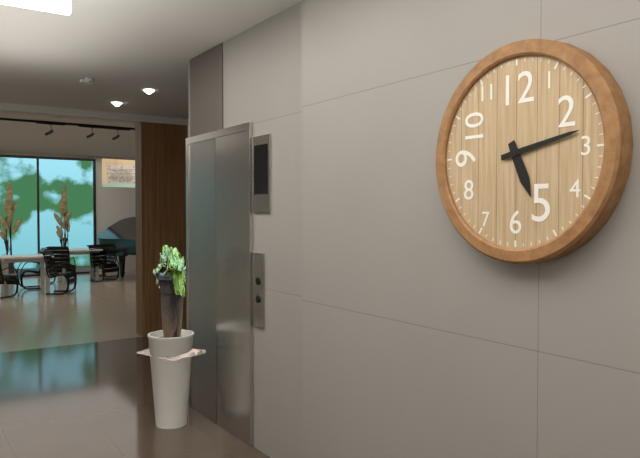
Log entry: {"hour": 5, "minute": 13}
